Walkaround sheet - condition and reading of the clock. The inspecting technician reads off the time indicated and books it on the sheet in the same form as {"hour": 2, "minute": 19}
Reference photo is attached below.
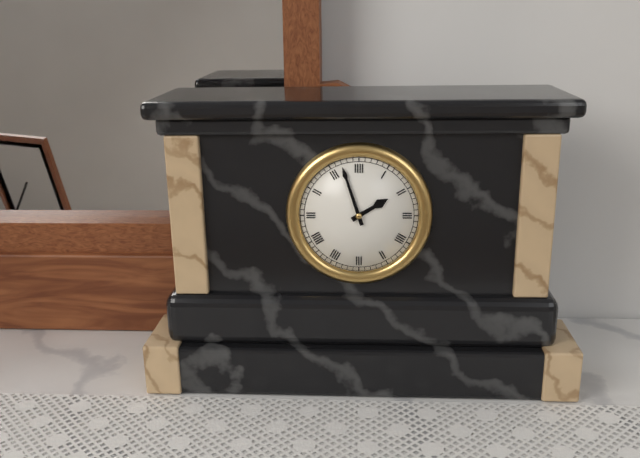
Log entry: {"hour": 1, "minute": 57}
